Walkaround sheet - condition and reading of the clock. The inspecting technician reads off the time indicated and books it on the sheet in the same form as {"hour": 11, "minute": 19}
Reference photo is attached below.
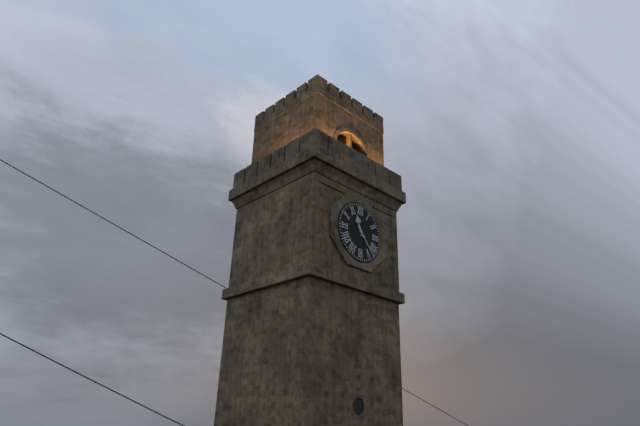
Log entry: {"hour": 11, "minute": 23}
